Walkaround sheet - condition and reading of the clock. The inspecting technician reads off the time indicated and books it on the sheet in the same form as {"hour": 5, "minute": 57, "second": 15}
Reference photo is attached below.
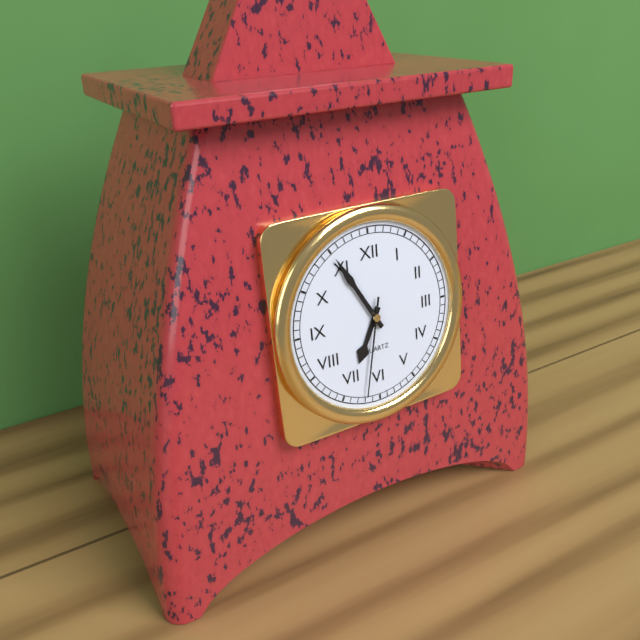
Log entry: {"hour": 6, "minute": 55, "second": 32}
